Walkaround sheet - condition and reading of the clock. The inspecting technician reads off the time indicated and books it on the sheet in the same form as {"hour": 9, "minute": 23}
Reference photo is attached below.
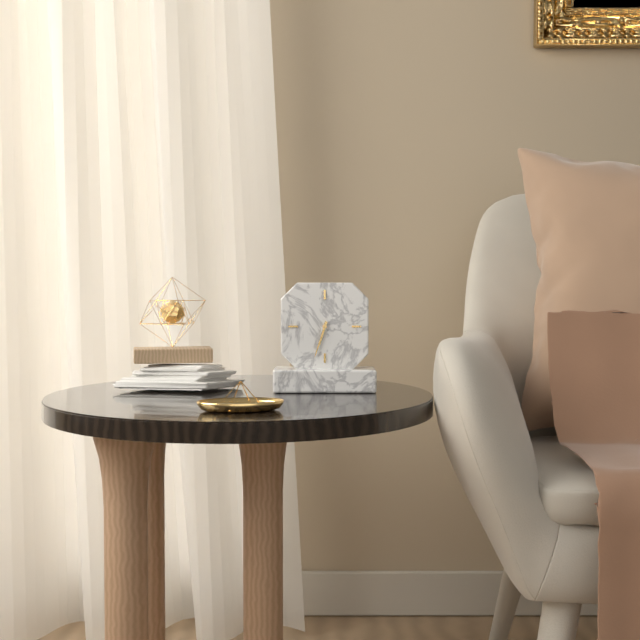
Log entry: {"hour": 6, "minute": 33}
